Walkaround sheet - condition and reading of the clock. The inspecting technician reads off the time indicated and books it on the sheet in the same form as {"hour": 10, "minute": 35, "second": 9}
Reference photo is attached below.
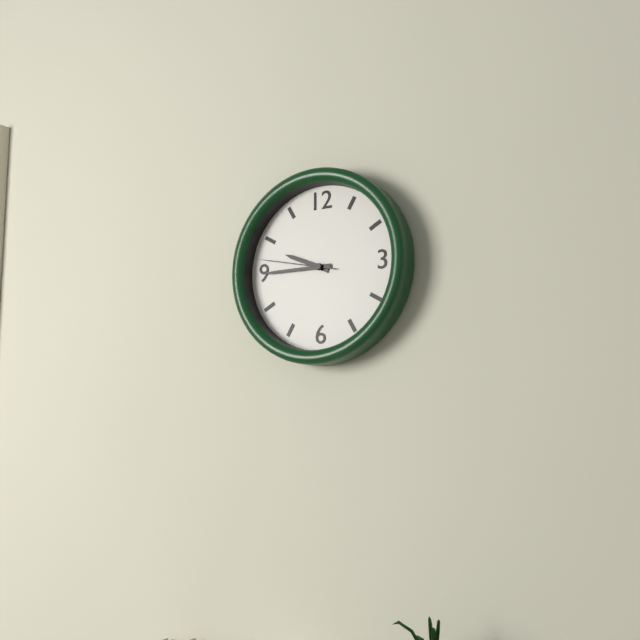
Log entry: {"hour": 9, "minute": 45, "second": 47}
